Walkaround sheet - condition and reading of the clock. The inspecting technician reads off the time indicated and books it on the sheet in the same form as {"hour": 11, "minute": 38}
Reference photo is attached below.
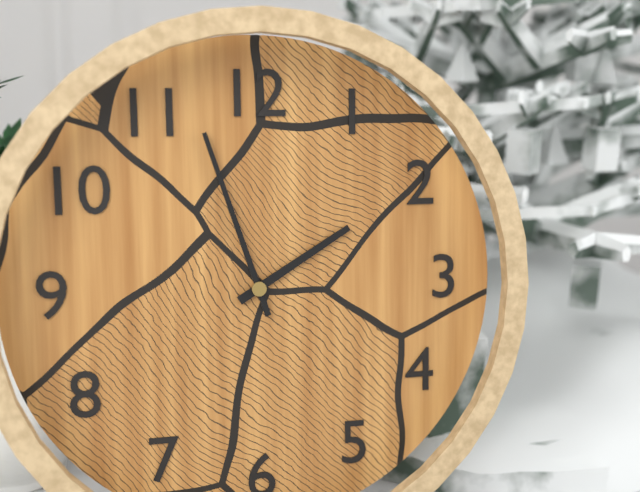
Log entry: {"hour": 1, "minute": 57}
